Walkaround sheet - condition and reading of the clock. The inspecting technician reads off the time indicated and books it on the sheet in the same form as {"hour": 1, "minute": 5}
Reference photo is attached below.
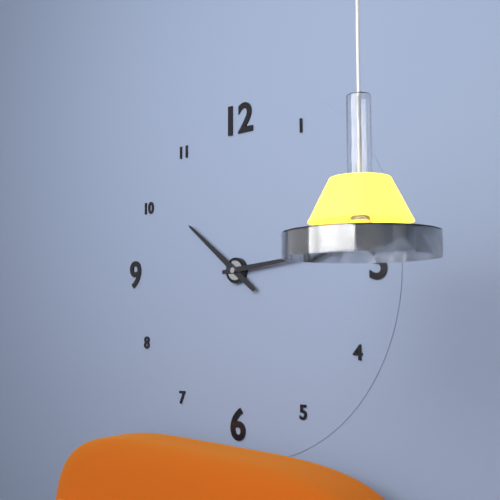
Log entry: {"hour": 10, "minute": 14}
